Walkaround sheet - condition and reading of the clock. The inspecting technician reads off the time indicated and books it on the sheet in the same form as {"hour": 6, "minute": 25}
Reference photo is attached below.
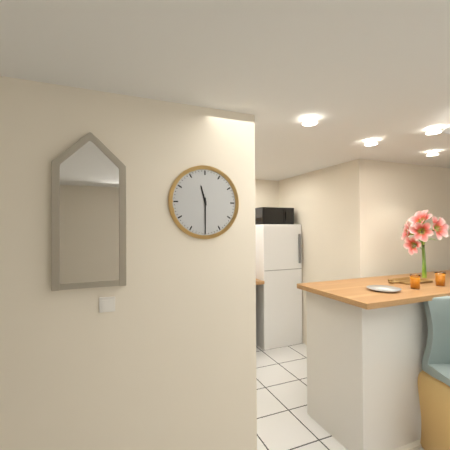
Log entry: {"hour": 11, "minute": 30}
